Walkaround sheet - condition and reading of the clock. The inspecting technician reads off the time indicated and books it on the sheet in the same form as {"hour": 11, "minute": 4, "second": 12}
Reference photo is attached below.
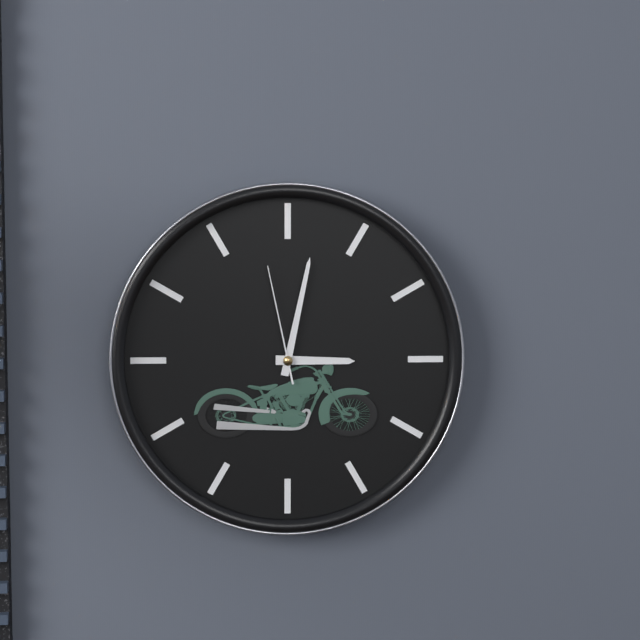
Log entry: {"hour": 3, "minute": 2, "second": 58}
